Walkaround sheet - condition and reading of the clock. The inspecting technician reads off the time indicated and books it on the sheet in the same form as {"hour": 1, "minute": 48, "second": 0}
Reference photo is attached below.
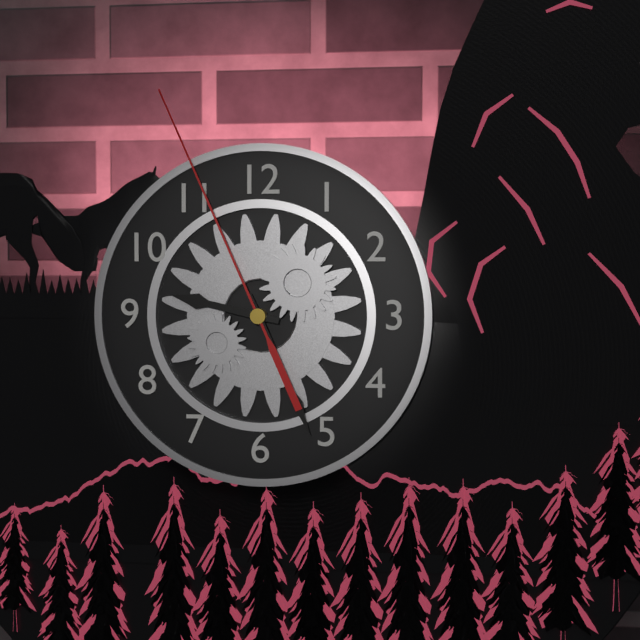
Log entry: {"hour": 9, "minute": 26, "second": 56}
